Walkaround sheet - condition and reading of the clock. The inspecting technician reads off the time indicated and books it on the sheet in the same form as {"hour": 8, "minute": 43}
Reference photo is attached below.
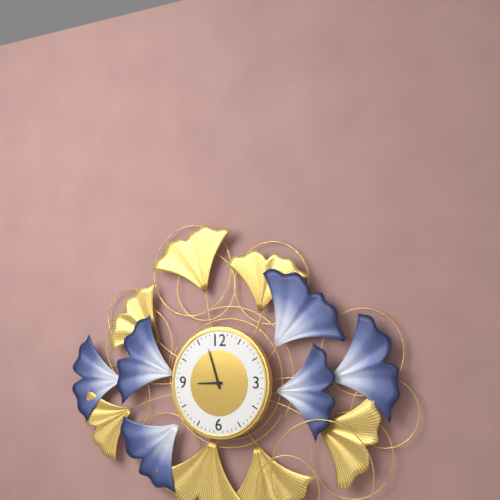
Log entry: {"hour": 8, "minute": 57}
